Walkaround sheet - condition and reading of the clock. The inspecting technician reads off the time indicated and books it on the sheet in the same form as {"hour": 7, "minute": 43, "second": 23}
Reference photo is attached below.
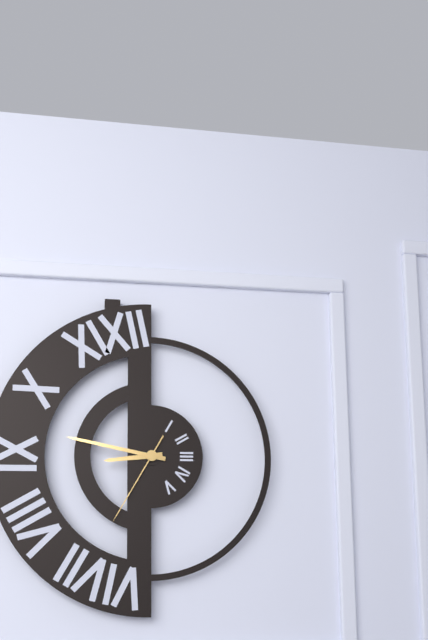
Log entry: {"hour": 8, "minute": 47, "second": 35}
